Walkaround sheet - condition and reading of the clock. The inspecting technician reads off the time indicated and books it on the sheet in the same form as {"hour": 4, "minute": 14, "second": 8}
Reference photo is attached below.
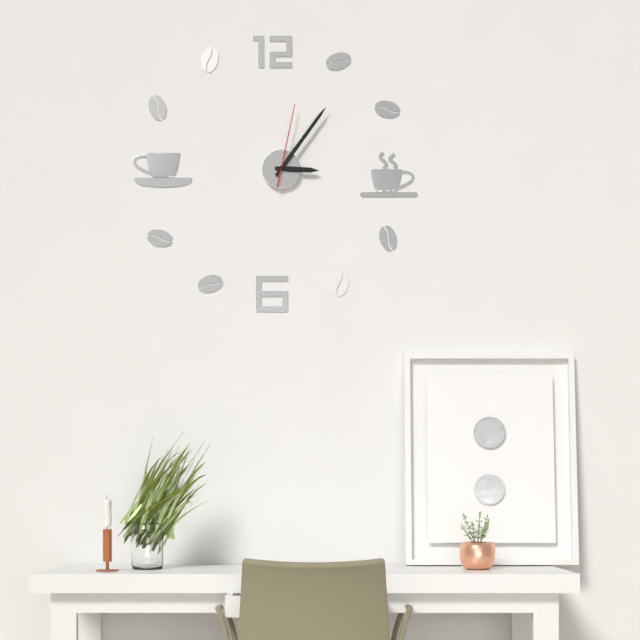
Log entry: {"hour": 3, "minute": 6, "second": 2}
